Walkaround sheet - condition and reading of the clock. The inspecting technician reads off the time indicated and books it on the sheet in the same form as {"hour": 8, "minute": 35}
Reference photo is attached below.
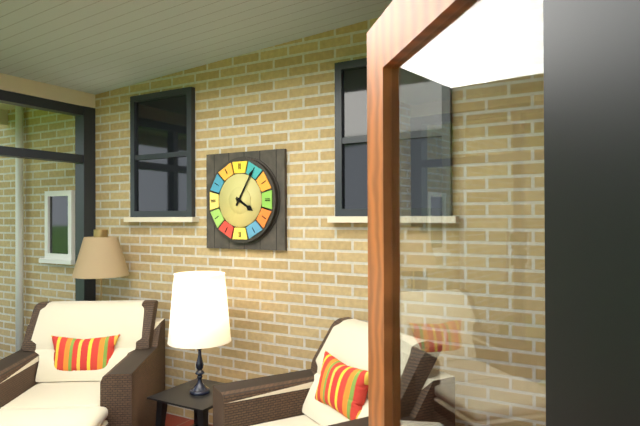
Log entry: {"hour": 4, "minute": 5}
